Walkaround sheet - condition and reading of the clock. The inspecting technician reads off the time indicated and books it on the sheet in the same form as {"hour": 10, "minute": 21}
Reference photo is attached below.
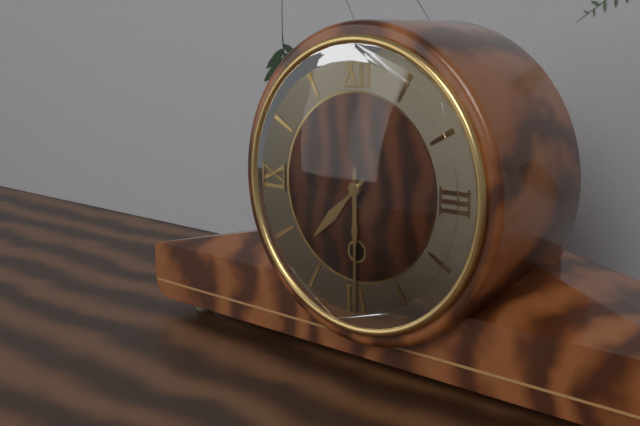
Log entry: {"hour": 7, "minute": 30}
